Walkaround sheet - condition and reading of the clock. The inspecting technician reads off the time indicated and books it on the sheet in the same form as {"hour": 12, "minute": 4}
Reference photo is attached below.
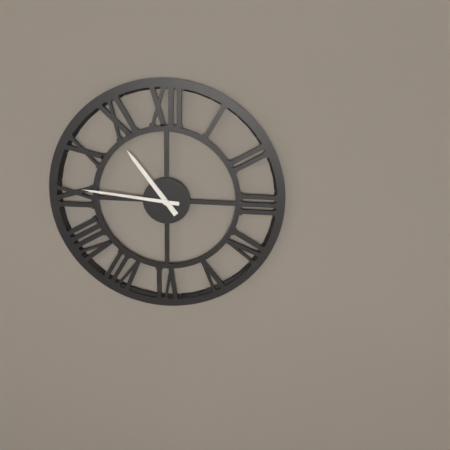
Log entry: {"hour": 10, "minute": 46}
